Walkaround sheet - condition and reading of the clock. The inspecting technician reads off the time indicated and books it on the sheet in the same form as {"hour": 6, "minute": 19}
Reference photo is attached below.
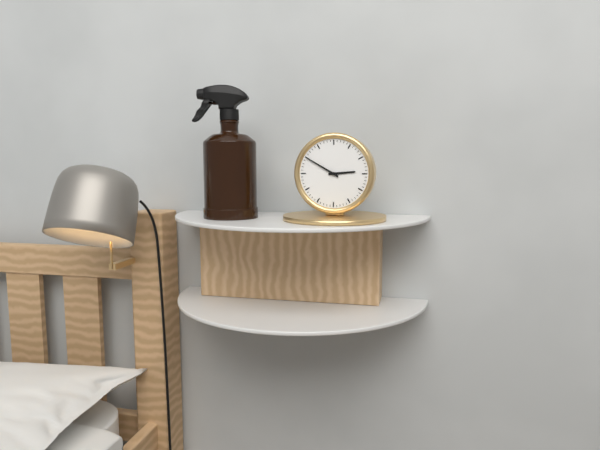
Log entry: {"hour": 2, "minute": 50}
